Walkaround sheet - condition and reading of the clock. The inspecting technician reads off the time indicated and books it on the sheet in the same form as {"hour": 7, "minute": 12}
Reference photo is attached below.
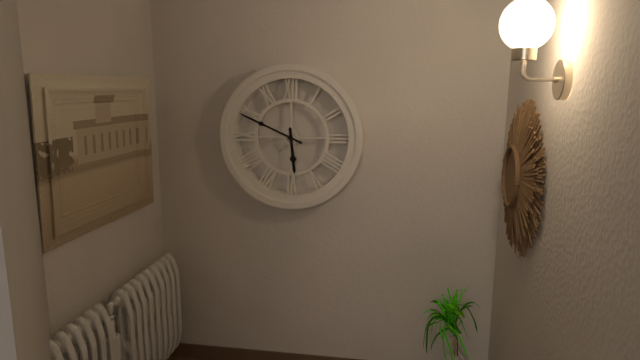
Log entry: {"hour": 5, "minute": 49}
